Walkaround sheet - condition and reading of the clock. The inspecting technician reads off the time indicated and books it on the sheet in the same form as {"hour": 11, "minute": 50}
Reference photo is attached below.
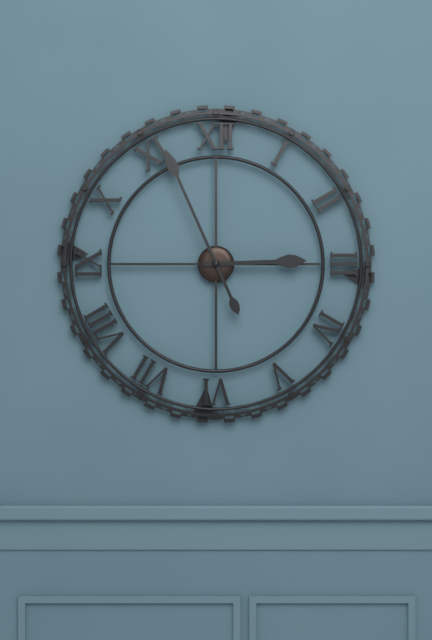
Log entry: {"hour": 2, "minute": 56}
